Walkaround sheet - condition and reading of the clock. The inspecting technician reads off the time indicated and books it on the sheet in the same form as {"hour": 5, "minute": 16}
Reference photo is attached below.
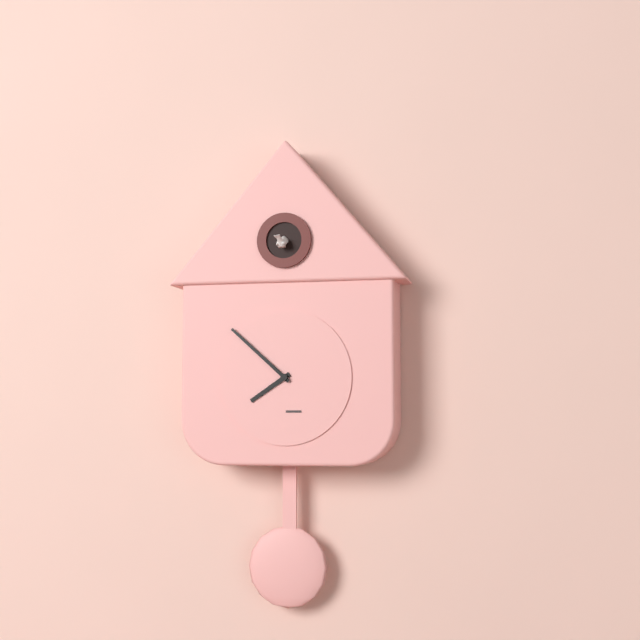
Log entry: {"hour": 7, "minute": 52}
